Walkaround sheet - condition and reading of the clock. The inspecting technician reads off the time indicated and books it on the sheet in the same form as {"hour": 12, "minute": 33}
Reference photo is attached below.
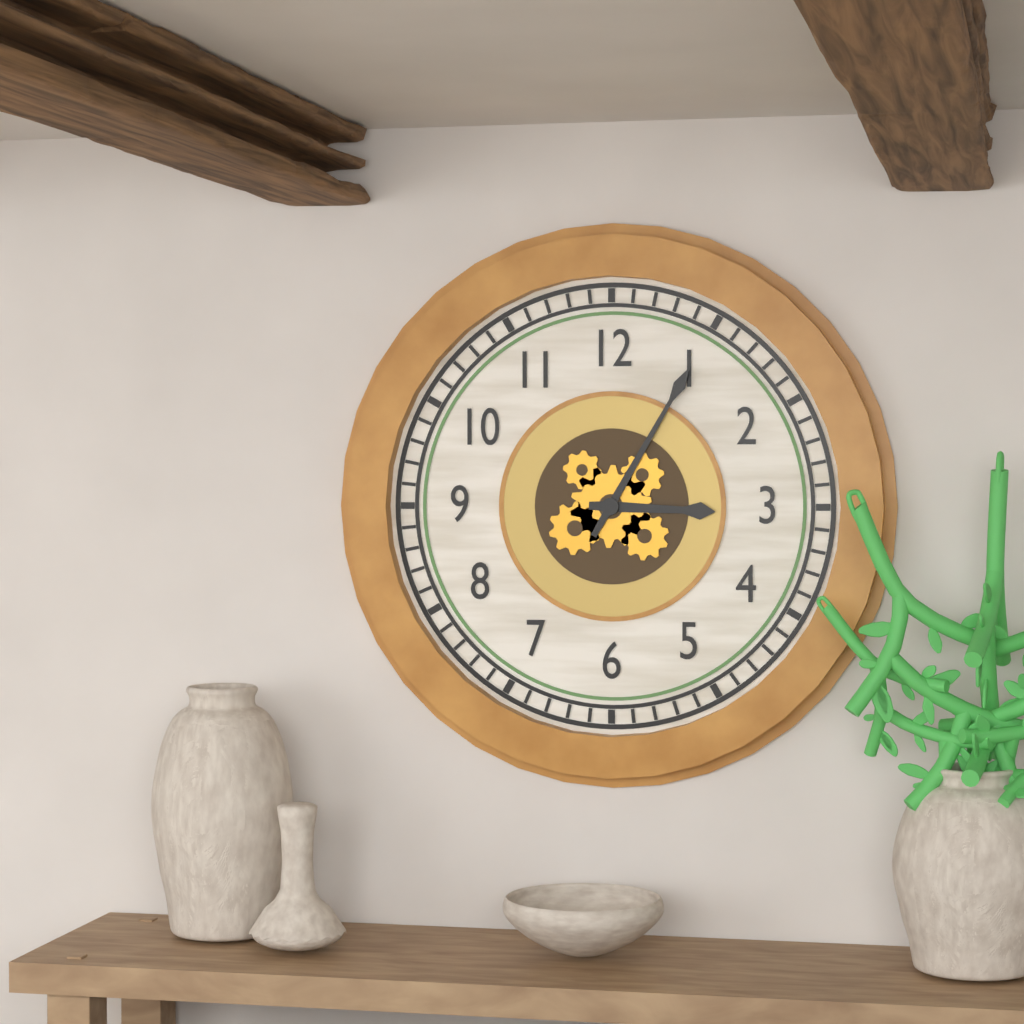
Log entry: {"hour": 3, "minute": 5}
